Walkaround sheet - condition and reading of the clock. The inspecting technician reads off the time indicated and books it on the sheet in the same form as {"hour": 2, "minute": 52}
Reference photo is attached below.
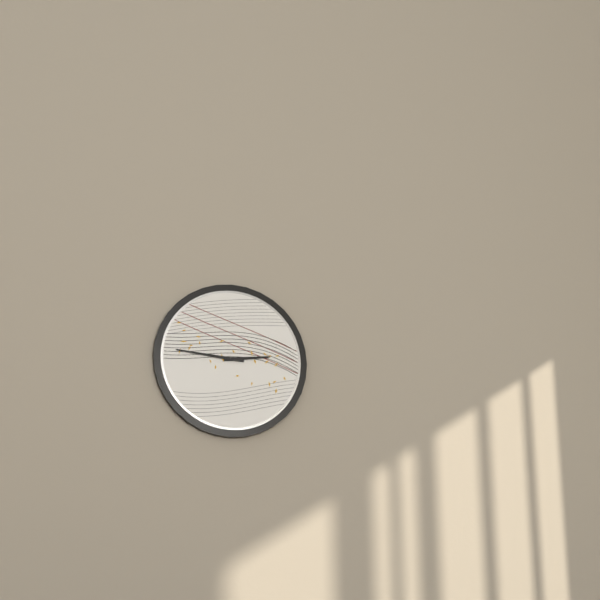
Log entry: {"hour": 2, "minute": 46}
